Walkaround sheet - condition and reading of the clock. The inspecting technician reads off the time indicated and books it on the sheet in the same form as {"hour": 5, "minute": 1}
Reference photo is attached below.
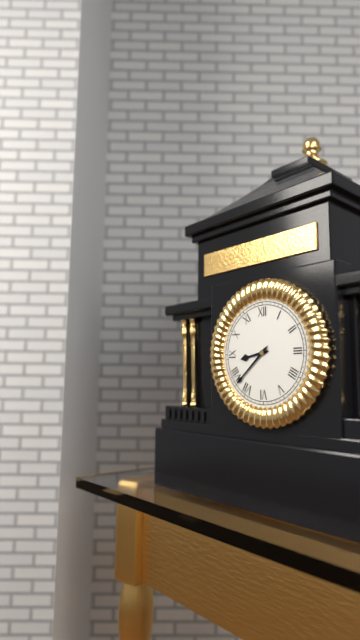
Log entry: {"hour": 8, "minute": 38}
